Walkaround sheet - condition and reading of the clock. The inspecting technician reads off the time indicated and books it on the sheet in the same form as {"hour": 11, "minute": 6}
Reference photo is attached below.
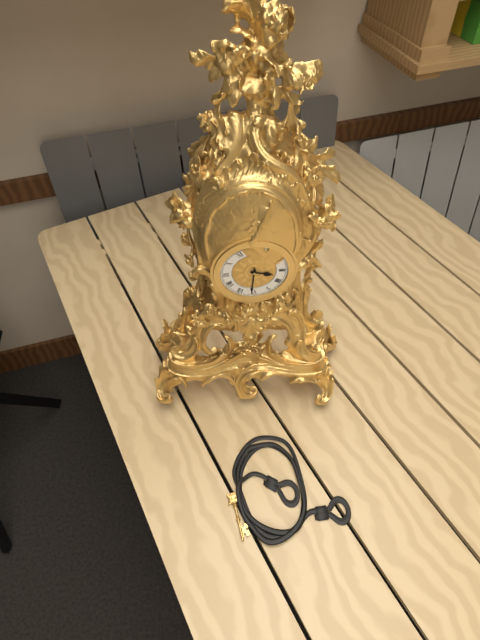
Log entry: {"hour": 3, "minute": 31}
